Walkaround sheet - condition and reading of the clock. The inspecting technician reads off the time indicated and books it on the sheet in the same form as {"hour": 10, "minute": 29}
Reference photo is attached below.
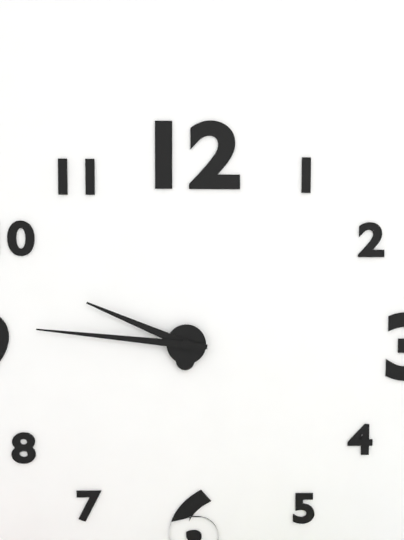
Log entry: {"hour": 9, "minute": 46}
